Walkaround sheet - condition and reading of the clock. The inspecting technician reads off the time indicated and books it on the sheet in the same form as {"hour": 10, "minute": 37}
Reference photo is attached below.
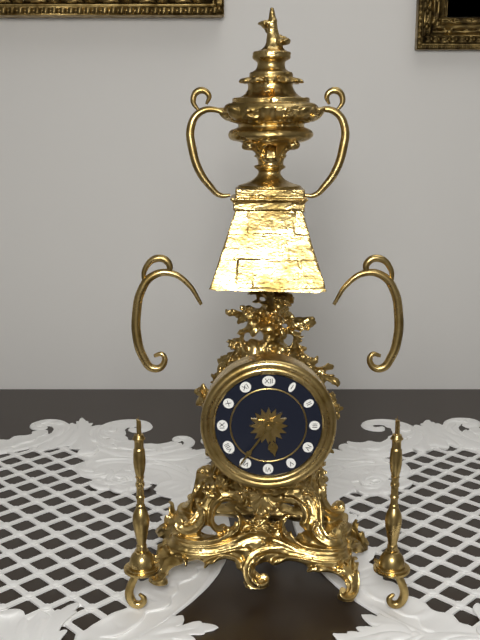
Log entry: {"hour": 5, "minute": 36}
